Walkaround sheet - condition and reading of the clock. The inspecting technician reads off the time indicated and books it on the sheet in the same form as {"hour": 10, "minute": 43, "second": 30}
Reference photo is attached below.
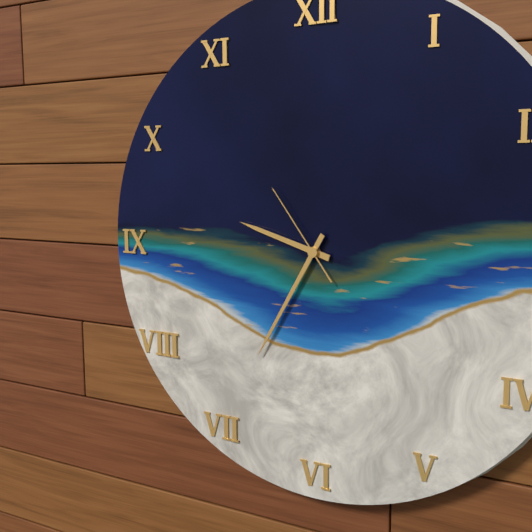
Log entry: {"hour": 9, "minute": 35, "second": 54}
